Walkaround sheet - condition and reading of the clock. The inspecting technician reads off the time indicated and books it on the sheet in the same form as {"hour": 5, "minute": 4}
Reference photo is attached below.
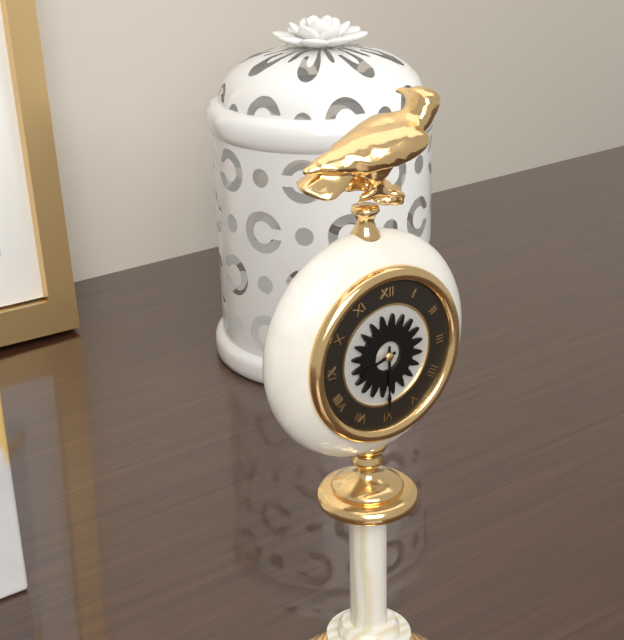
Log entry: {"hour": 8, "minute": 30}
